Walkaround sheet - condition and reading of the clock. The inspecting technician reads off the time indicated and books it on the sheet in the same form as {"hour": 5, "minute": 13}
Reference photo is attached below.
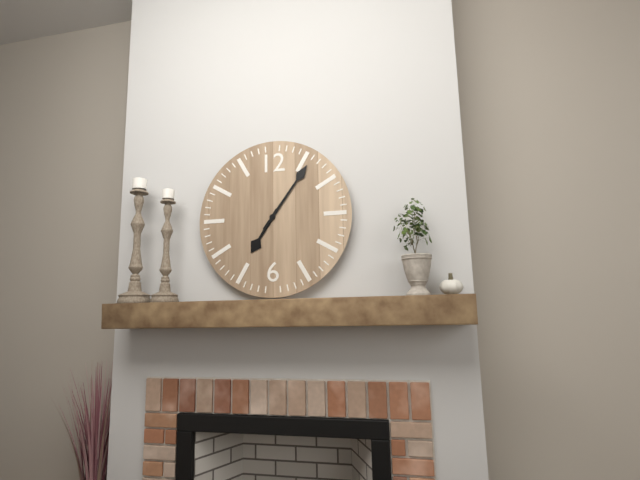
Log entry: {"hour": 7, "minute": 6}
